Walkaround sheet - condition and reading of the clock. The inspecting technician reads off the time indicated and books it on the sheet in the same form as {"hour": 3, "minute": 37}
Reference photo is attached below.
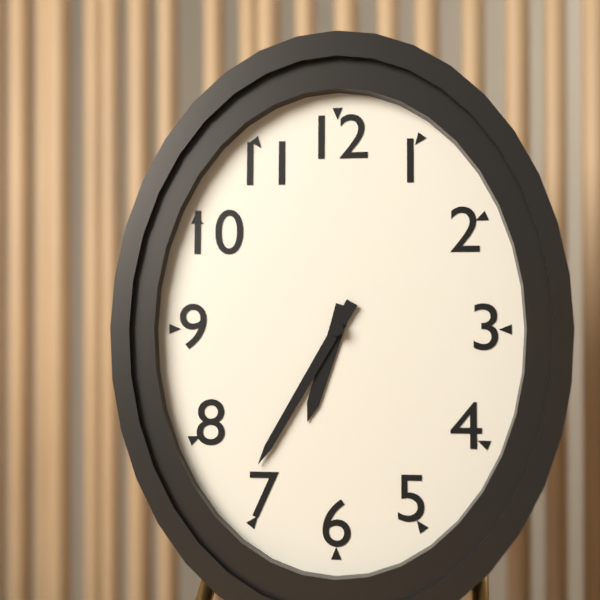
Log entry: {"hour": 6, "minute": 35}
